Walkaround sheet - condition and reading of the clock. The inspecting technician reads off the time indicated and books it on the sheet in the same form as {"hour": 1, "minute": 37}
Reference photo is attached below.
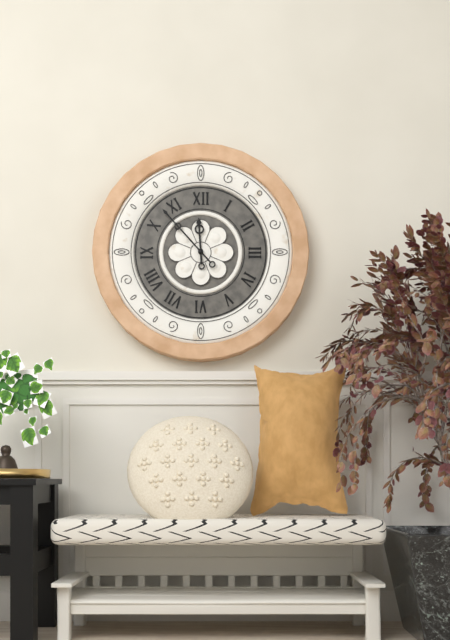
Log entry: {"hour": 11, "minute": 53}
